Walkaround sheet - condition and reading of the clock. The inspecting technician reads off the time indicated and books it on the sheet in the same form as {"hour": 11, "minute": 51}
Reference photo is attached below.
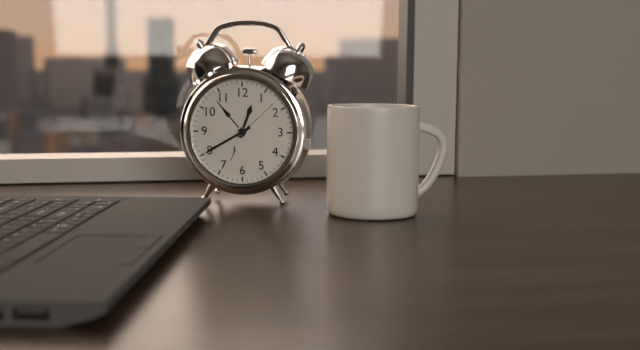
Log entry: {"hour": 12, "minute": 40}
